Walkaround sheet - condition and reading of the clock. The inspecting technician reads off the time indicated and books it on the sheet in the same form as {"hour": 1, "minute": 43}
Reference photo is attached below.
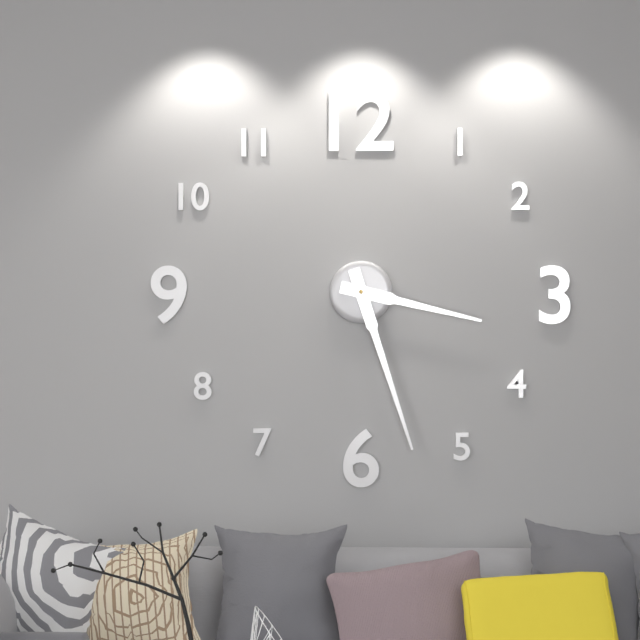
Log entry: {"hour": 3, "minute": 27}
